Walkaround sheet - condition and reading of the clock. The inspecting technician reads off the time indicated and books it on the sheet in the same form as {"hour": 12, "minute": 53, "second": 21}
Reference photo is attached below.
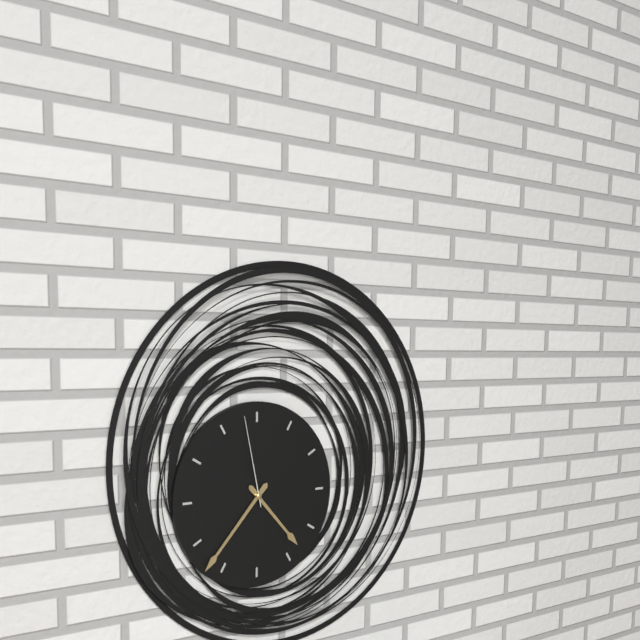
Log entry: {"hour": 4, "minute": 37, "second": 58}
